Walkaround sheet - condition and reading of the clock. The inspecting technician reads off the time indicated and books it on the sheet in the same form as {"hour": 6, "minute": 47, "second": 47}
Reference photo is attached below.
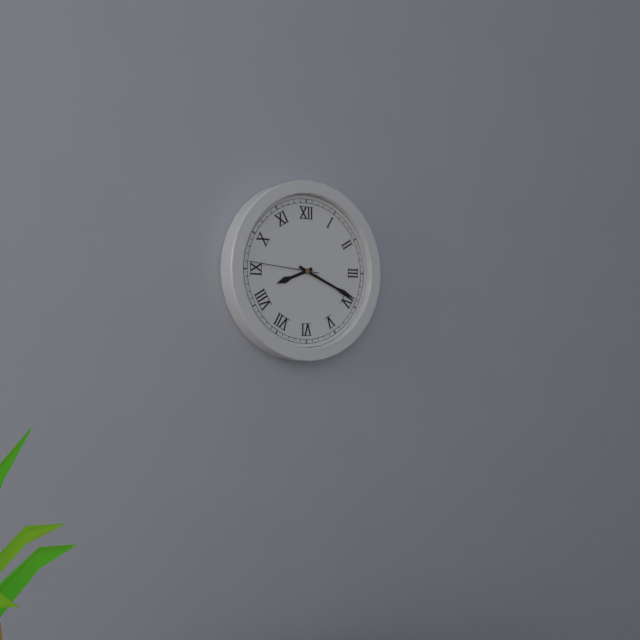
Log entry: {"hour": 8, "minute": 19, "second": 46}
